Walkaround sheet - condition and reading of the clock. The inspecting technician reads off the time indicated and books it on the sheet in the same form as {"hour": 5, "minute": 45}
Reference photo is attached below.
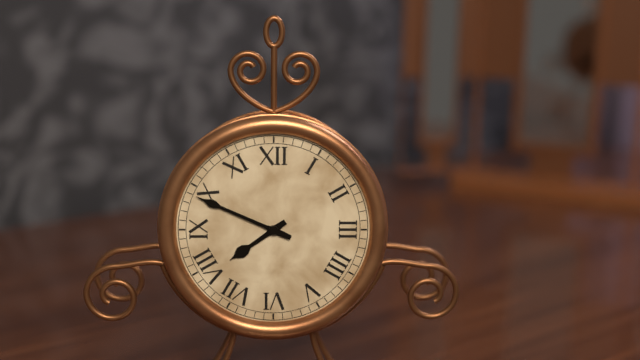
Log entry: {"hour": 7, "minute": 49}
